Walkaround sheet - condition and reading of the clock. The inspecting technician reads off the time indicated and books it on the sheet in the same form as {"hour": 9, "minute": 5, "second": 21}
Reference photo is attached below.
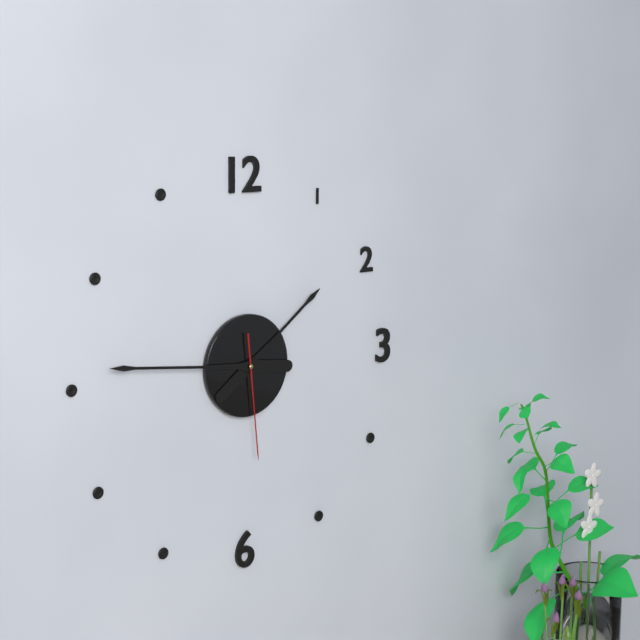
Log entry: {"hour": 1, "minute": 46, "second": 29}
